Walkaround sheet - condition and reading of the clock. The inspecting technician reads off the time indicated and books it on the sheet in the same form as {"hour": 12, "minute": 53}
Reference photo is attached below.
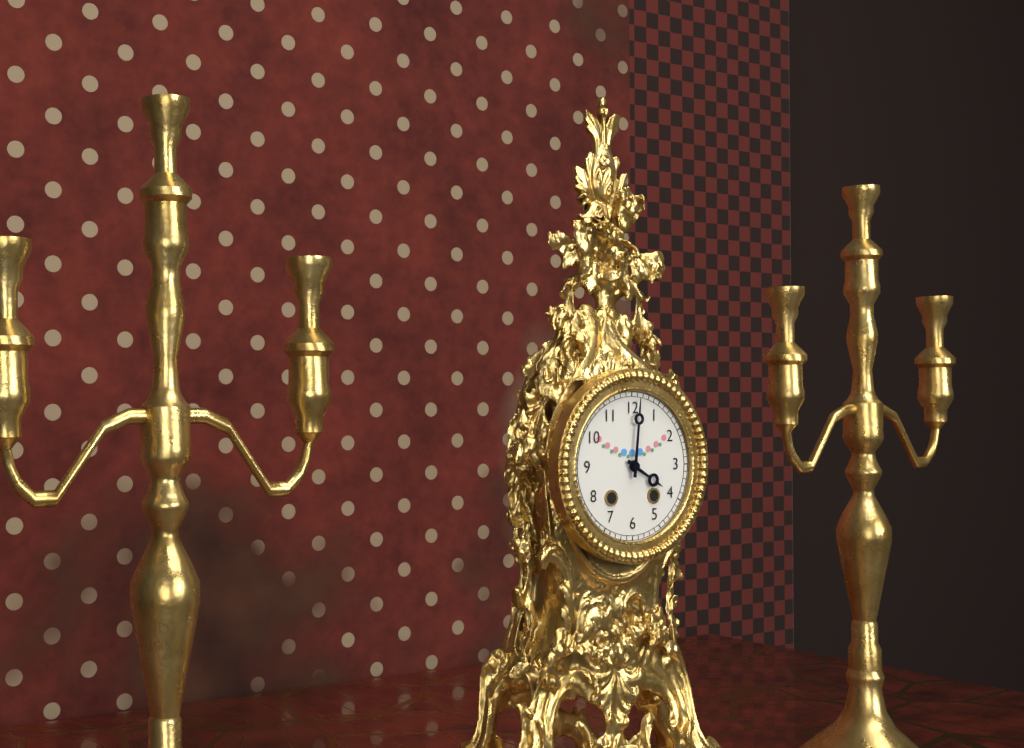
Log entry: {"hour": 4, "minute": 1}
